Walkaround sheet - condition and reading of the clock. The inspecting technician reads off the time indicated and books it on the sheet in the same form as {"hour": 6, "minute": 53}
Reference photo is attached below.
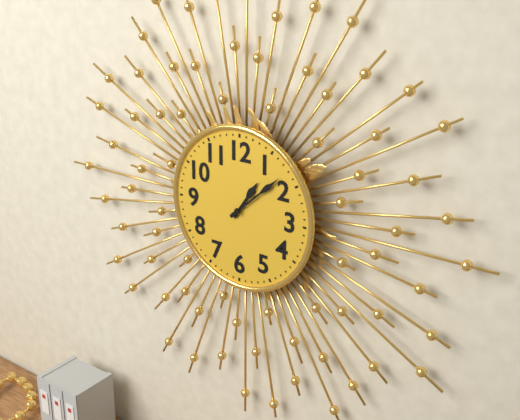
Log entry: {"hour": 1, "minute": 8}
